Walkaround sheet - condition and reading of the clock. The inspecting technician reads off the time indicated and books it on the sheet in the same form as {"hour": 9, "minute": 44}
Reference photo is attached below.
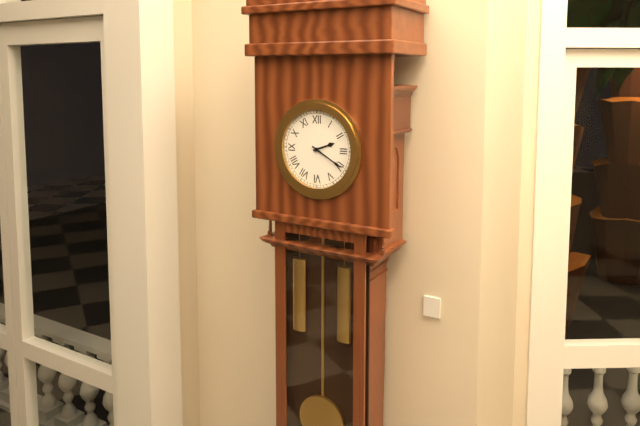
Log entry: {"hour": 2, "minute": 20}
